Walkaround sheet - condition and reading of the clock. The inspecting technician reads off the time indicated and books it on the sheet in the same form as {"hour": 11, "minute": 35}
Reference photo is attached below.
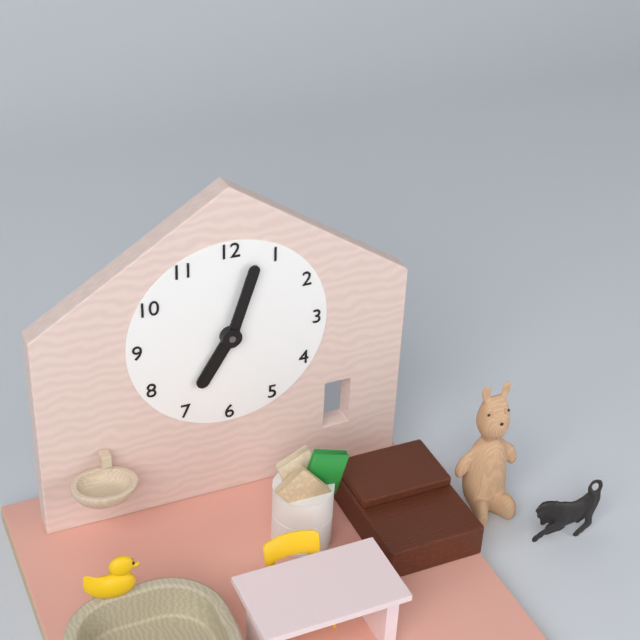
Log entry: {"hour": 7, "minute": 3}
